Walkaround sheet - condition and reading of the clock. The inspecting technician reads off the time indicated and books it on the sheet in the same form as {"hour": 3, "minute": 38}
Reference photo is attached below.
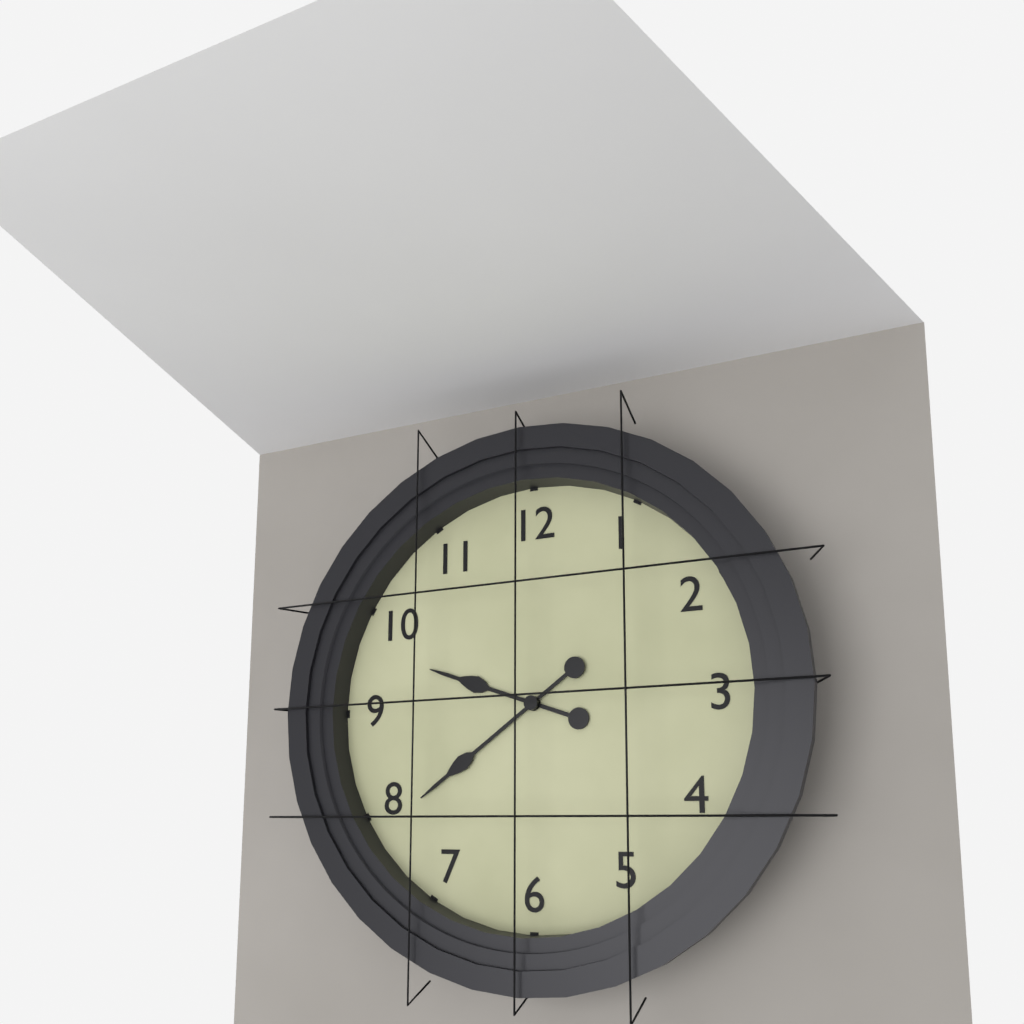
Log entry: {"hour": 9, "minute": 39}
